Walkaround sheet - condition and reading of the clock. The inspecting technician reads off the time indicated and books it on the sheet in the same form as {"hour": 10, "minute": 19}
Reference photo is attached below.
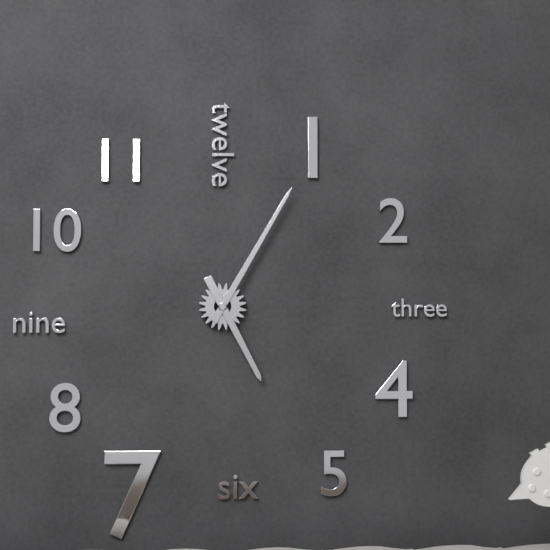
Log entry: {"hour": 5, "minute": 5}
